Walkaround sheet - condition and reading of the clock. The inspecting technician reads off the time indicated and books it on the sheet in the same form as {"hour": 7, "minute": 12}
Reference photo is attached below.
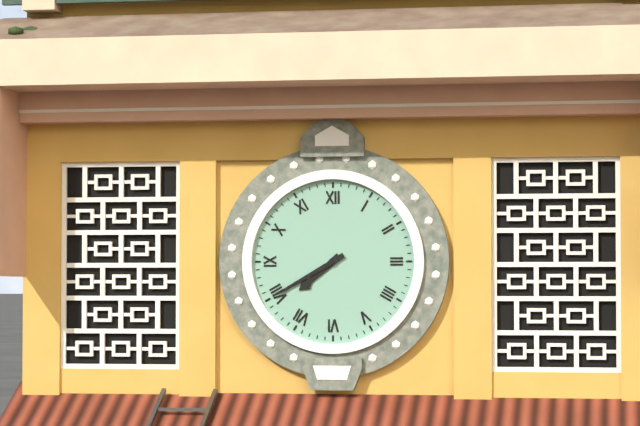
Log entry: {"hour": 7, "minute": 40}
